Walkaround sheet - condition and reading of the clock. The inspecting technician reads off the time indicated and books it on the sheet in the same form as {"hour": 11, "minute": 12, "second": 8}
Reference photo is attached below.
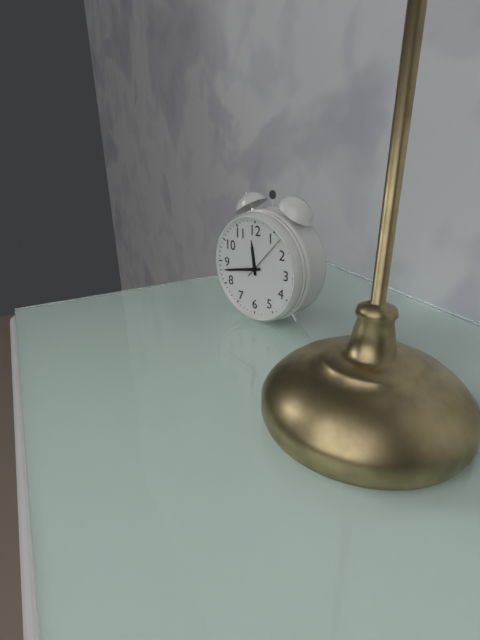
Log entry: {"hour": 11, "minute": 43, "second": 7}
